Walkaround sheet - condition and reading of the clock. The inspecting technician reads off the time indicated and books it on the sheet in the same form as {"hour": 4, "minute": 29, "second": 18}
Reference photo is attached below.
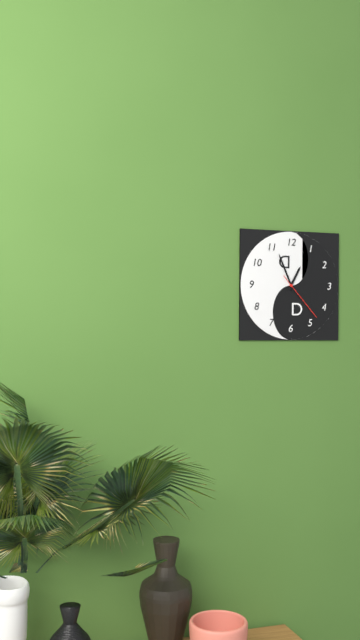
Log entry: {"hour": 12, "minute": 56, "second": 23}
